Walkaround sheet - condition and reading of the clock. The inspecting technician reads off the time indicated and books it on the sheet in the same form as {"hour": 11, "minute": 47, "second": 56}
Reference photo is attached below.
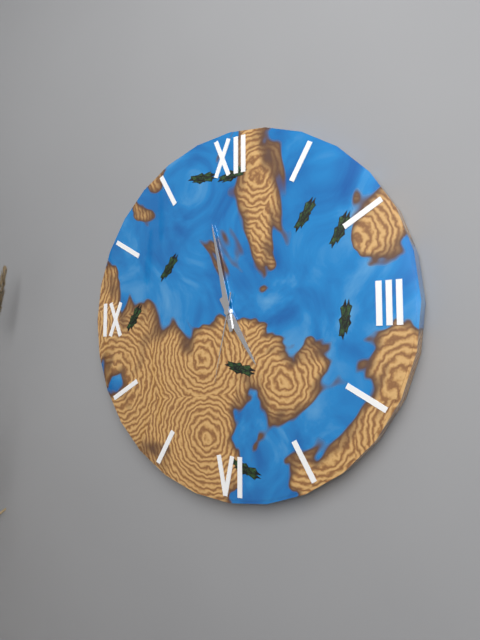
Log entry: {"hour": 4, "minute": 58, "second": 32}
